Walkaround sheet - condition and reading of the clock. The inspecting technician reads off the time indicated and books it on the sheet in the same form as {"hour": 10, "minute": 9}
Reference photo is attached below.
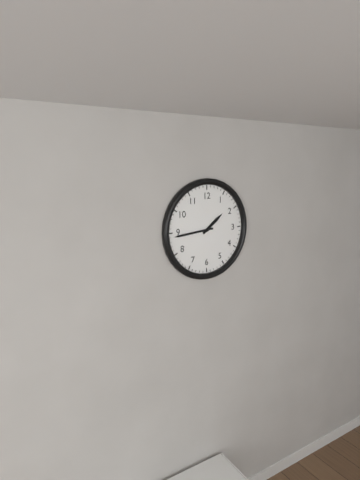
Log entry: {"hour": 1, "minute": 44}
